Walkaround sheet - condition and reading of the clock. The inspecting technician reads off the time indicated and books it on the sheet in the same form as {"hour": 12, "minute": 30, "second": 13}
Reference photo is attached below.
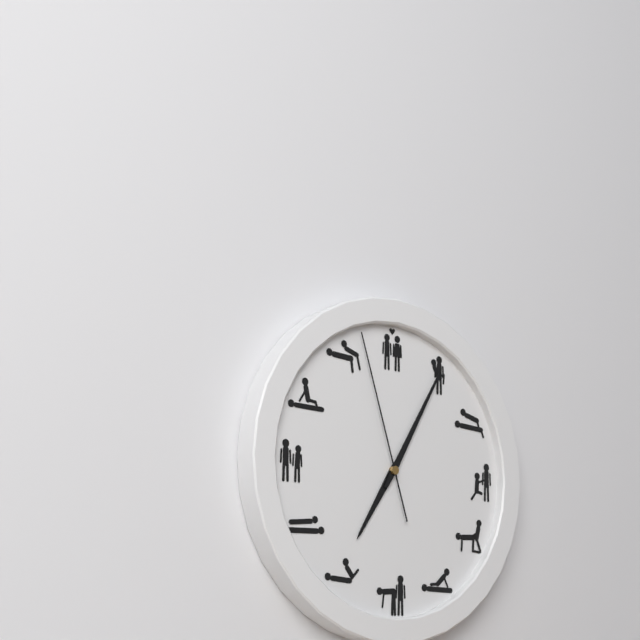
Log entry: {"hour": 7, "minute": 5, "second": 57}
